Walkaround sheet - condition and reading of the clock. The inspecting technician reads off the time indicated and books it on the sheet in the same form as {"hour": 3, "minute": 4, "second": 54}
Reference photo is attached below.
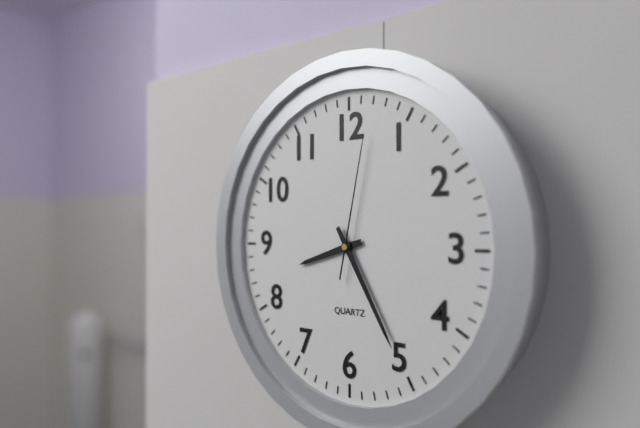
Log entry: {"hour": 8, "minute": 25, "second": 2}
